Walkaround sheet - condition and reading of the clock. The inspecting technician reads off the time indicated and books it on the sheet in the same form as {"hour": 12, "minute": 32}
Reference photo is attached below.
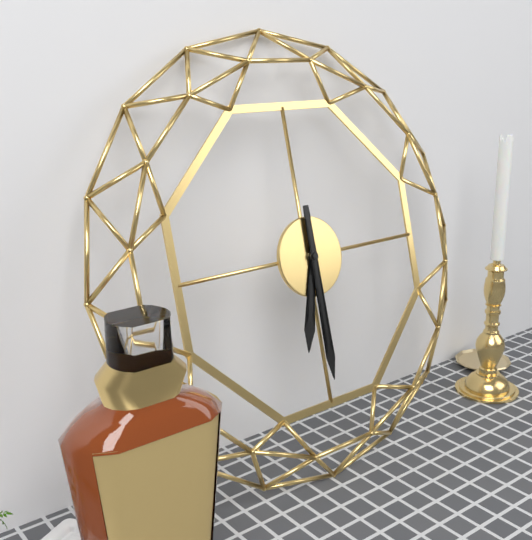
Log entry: {"hour": 6, "minute": 30}
